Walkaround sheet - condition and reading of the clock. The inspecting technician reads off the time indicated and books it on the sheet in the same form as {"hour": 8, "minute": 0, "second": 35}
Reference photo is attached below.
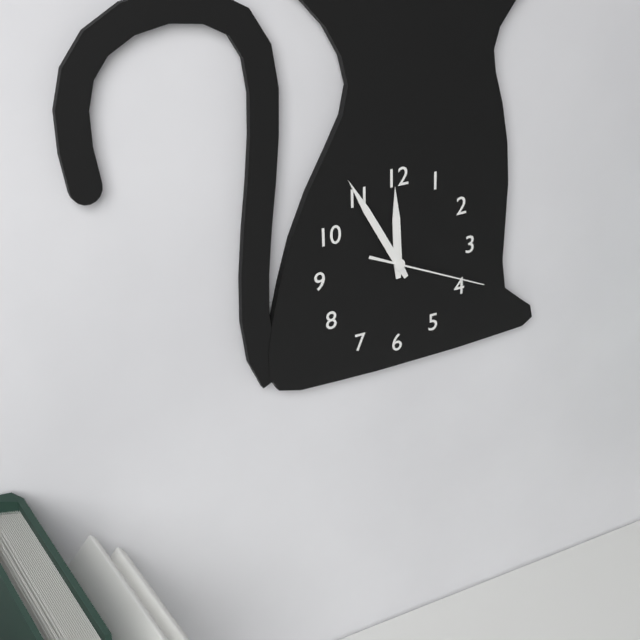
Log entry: {"hour": 11, "minute": 55, "second": 19}
